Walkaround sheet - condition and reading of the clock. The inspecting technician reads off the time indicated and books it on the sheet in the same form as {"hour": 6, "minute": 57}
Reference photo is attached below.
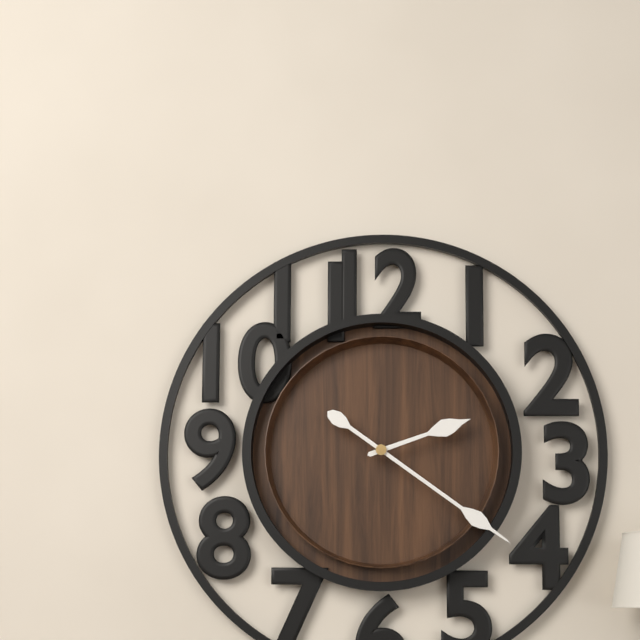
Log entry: {"hour": 2, "minute": 21}
